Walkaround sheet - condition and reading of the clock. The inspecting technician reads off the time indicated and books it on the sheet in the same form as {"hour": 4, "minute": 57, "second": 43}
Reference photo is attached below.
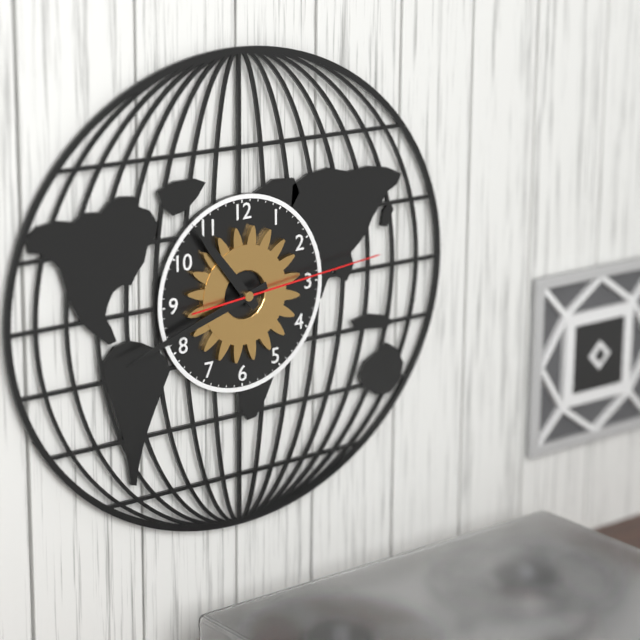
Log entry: {"hour": 10, "minute": 42, "second": 14}
